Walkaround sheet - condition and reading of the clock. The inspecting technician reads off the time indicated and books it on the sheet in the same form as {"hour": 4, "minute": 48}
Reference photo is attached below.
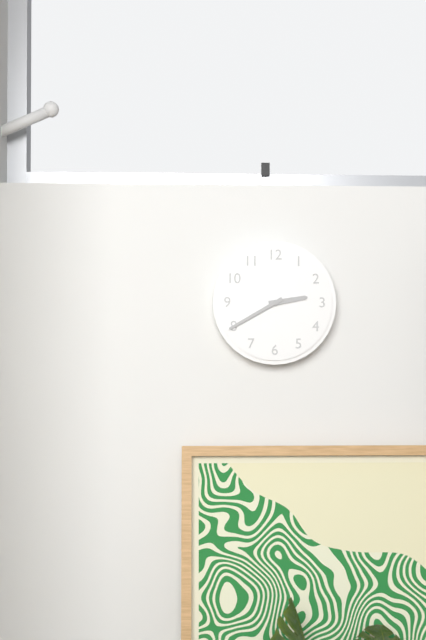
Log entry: {"hour": 2, "minute": 40}
